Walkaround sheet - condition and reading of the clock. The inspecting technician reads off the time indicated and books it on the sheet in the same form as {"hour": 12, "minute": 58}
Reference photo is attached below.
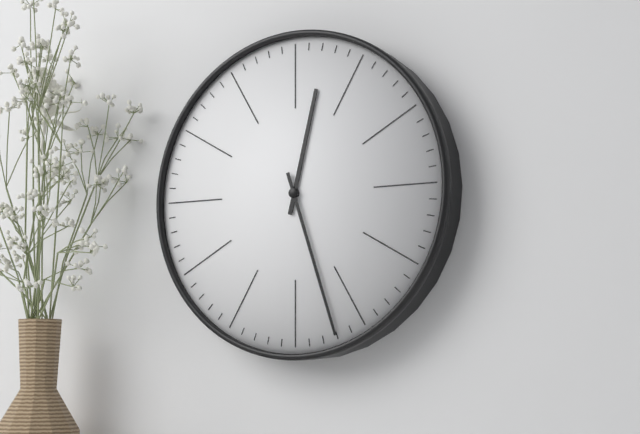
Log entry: {"hour": 12, "minute": 27}
